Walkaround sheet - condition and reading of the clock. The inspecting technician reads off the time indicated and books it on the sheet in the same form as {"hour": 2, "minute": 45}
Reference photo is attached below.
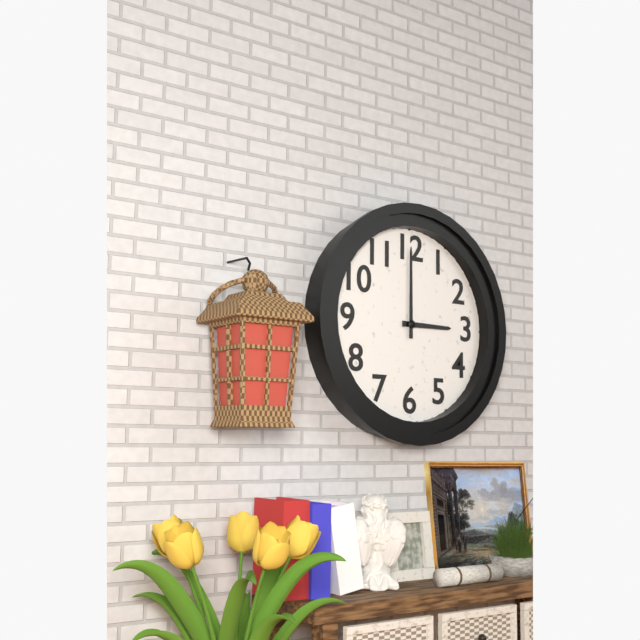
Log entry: {"hour": 3, "minute": 0}
